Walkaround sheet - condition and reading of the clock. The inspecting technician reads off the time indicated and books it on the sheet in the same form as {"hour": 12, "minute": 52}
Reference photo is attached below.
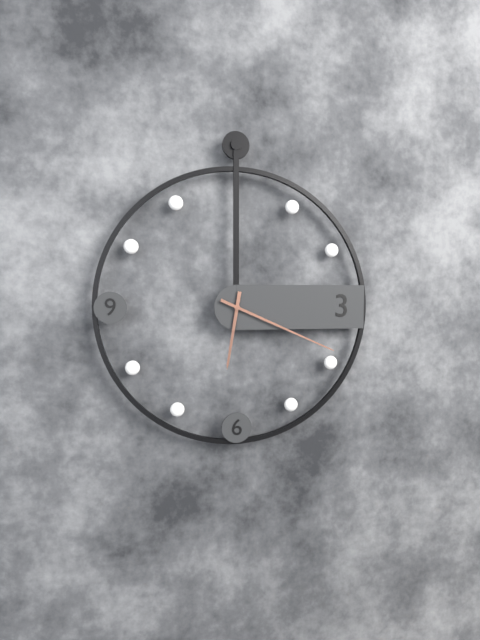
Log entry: {"hour": 6, "minute": 19}
